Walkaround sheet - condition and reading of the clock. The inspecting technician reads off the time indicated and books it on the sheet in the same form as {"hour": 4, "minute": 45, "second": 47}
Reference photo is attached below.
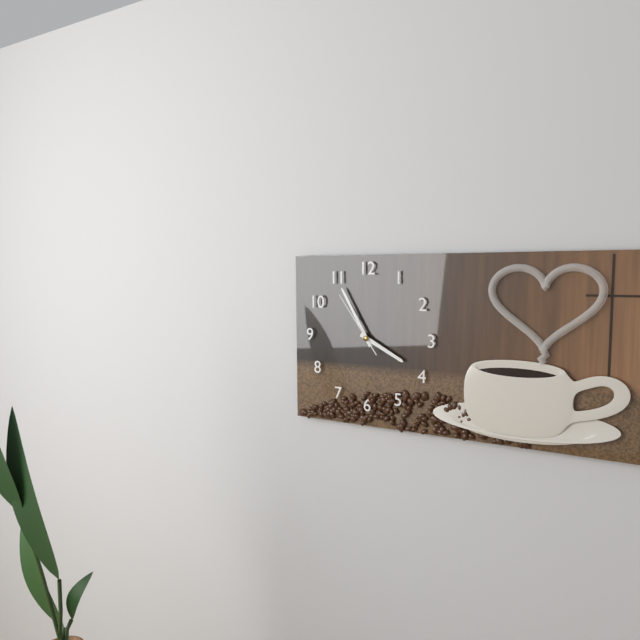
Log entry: {"hour": 3, "minute": 55, "second": 54}
